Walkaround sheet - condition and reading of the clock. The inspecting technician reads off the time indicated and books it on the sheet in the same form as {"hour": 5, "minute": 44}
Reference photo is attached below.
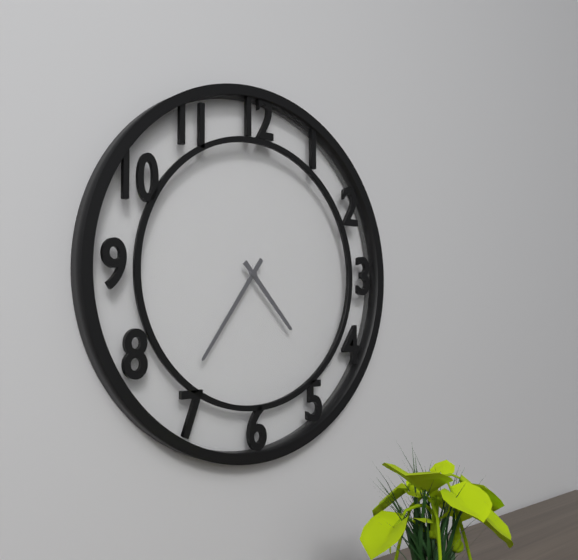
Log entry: {"hour": 4, "minute": 36}
